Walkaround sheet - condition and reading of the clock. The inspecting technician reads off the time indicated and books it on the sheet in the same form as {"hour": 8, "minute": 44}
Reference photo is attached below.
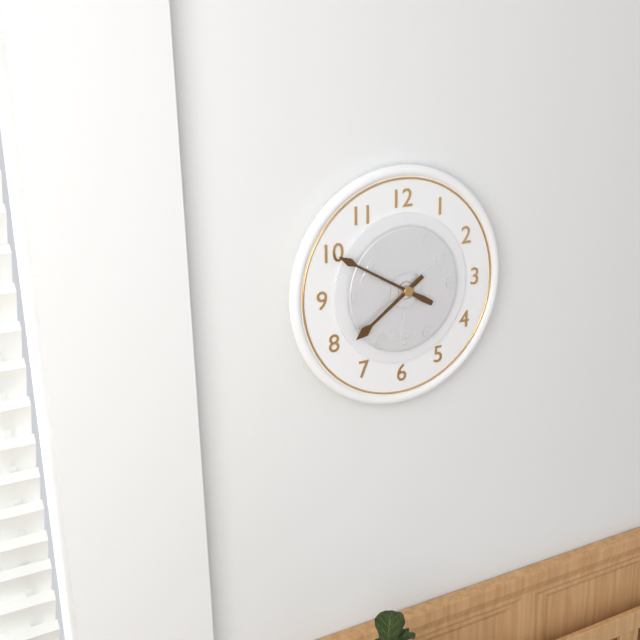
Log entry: {"hour": 7, "minute": 50}
